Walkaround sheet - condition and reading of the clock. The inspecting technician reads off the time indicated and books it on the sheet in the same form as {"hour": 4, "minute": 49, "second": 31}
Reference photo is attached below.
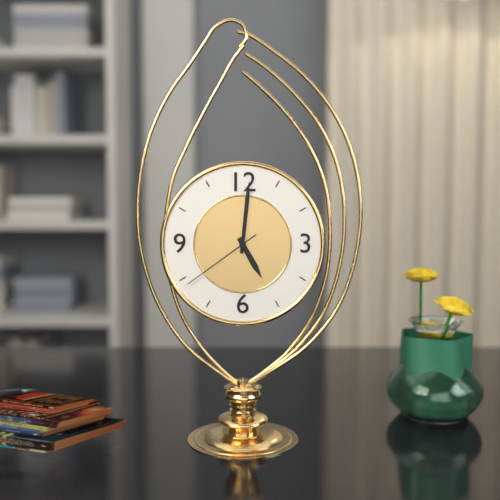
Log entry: {"hour": 5, "minute": 1, "second": 39}
